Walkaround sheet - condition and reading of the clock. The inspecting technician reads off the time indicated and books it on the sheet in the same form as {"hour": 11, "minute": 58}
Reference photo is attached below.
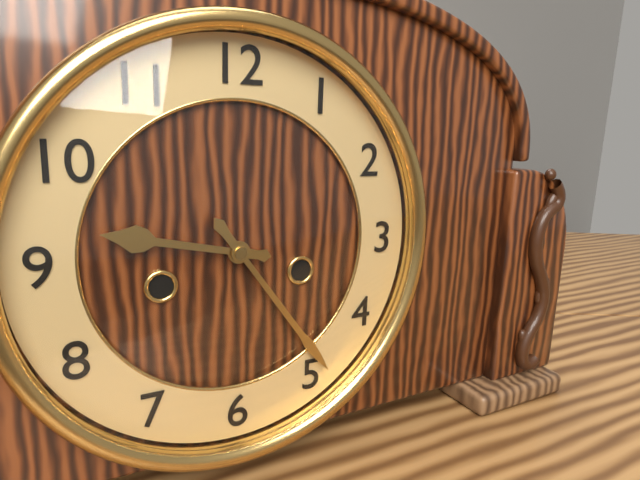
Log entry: {"hour": 9, "minute": 24}
